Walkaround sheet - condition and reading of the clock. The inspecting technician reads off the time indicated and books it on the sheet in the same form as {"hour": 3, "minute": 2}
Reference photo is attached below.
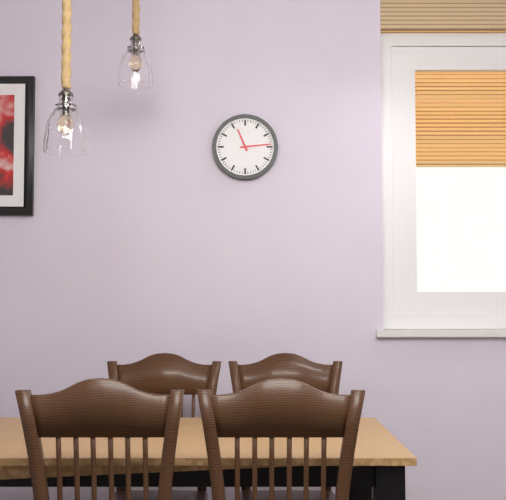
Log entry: {"hour": 11, "minute": 14}
